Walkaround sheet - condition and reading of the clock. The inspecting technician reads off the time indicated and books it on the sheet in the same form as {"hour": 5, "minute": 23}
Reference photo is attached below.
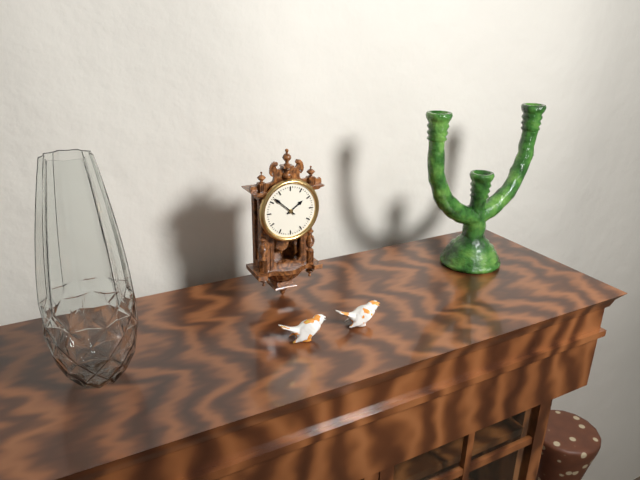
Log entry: {"hour": 1, "minute": 52}
